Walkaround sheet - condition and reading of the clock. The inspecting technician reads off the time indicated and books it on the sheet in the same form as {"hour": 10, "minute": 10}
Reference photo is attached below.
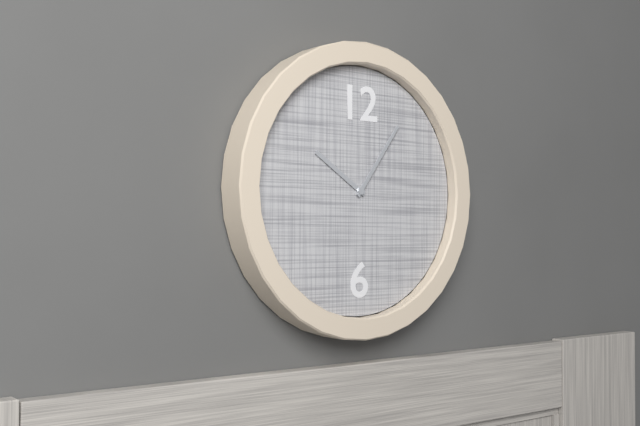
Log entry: {"hour": 10, "minute": 6}
